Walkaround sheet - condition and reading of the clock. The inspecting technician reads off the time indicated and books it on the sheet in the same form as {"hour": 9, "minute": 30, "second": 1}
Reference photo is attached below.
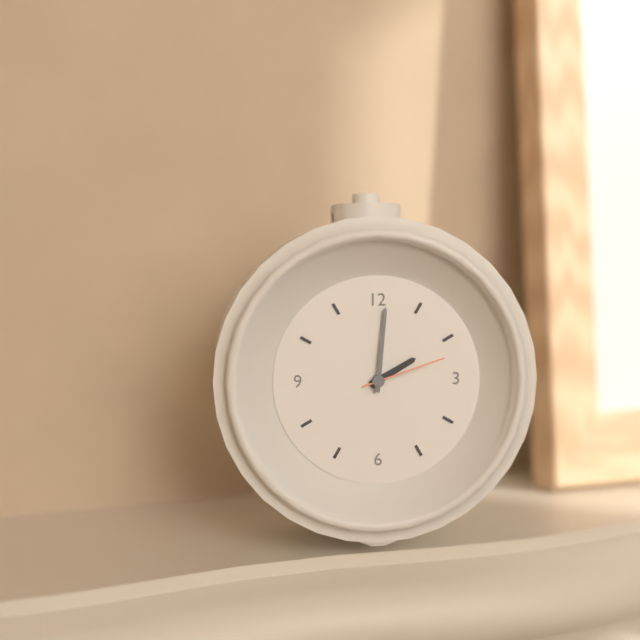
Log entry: {"hour": 2, "minute": 1, "second": 12}
